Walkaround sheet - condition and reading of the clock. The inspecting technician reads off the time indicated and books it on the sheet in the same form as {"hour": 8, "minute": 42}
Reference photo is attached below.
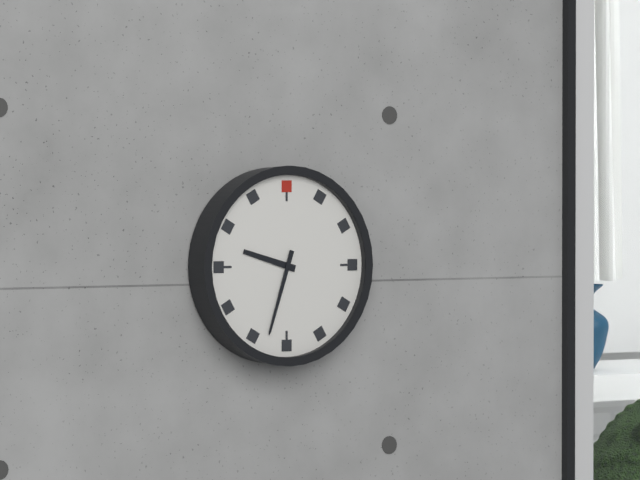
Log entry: {"hour": 9, "minute": 33}
